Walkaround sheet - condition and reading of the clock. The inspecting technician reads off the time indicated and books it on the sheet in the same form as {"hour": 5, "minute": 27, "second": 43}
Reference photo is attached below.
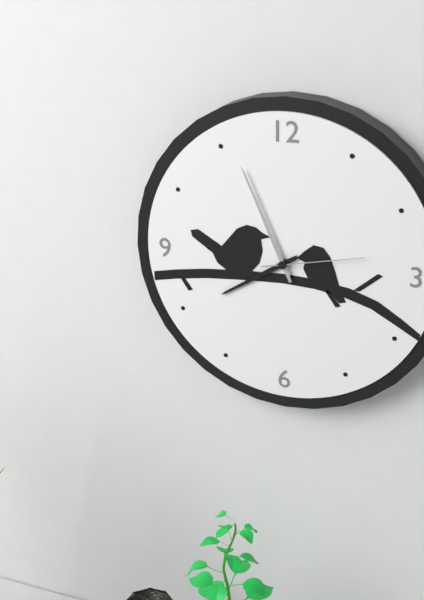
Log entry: {"hour": 7, "minute": 56, "second": 13}
